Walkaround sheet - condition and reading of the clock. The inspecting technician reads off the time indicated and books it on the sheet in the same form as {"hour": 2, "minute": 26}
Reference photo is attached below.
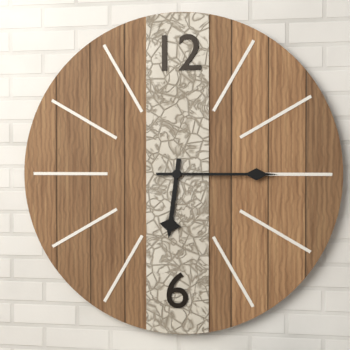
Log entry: {"hour": 6, "minute": 15}
